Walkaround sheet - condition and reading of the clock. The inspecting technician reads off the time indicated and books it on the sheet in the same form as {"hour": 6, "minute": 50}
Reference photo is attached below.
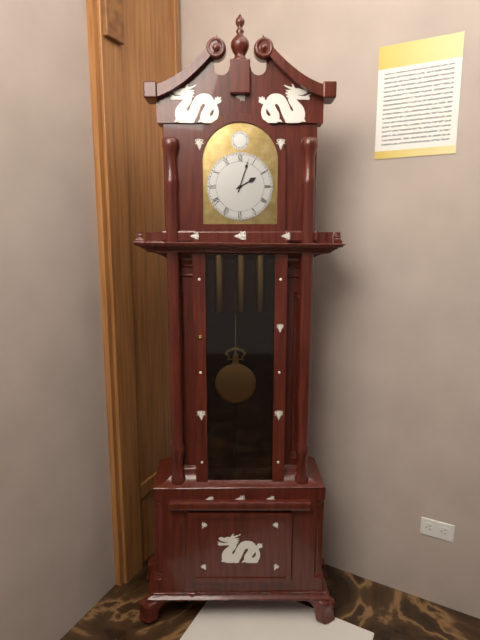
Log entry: {"hour": 2, "minute": 3}
